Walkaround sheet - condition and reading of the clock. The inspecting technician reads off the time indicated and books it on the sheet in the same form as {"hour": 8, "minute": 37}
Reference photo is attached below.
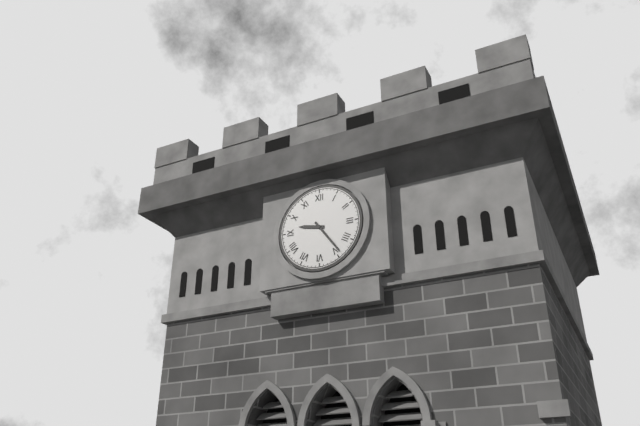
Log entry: {"hour": 9, "minute": 24}
